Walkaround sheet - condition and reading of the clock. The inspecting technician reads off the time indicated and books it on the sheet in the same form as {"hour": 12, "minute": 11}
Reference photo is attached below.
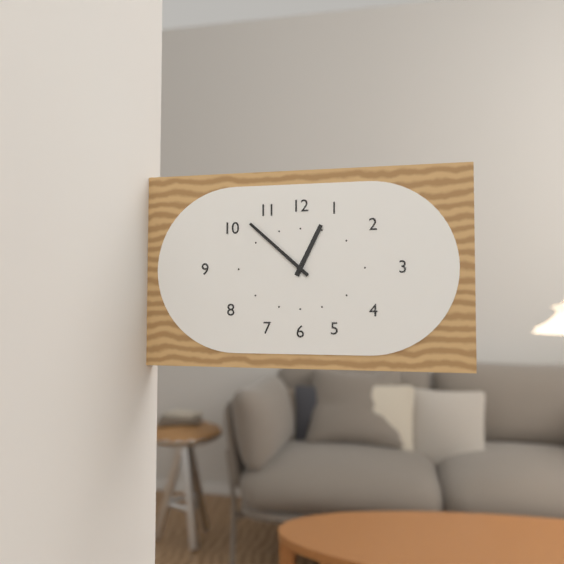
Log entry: {"hour": 12, "minute": 52}
